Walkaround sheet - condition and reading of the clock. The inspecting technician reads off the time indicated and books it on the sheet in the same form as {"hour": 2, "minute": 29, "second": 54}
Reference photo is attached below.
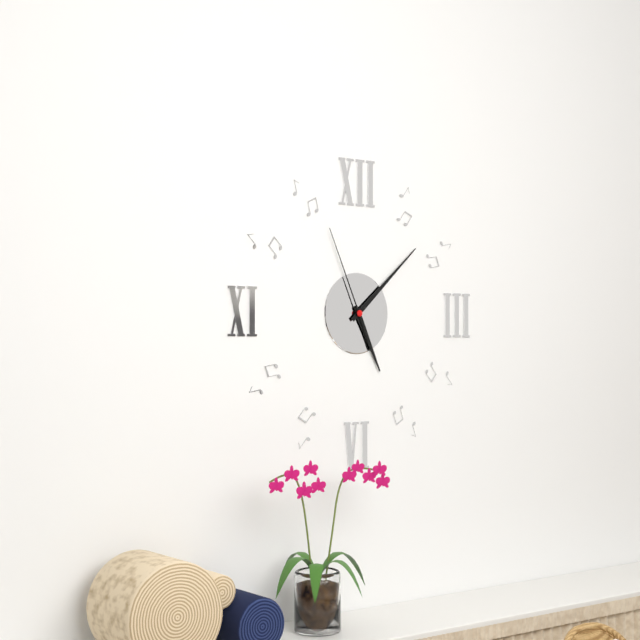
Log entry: {"hour": 5, "minute": 8, "second": 56}
